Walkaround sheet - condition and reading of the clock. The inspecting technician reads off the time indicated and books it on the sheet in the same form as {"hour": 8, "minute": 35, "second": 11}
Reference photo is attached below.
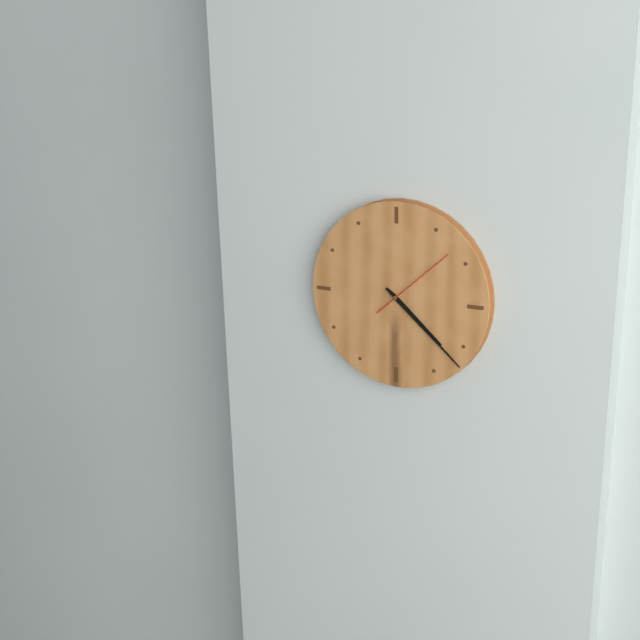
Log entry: {"hour": 4, "minute": 22, "second": 8}
